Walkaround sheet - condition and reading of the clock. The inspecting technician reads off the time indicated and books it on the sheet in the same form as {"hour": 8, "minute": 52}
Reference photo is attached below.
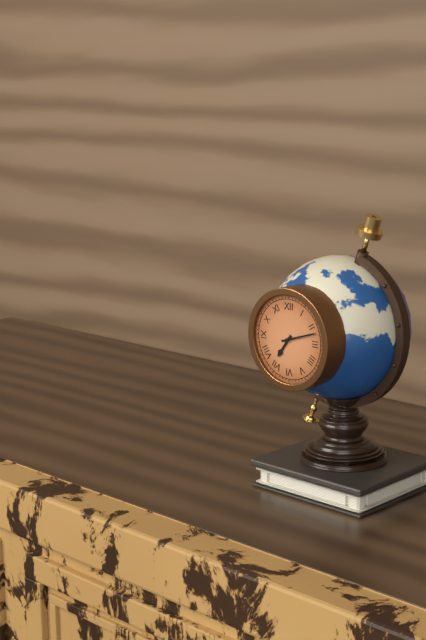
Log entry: {"hour": 7, "minute": 12}
